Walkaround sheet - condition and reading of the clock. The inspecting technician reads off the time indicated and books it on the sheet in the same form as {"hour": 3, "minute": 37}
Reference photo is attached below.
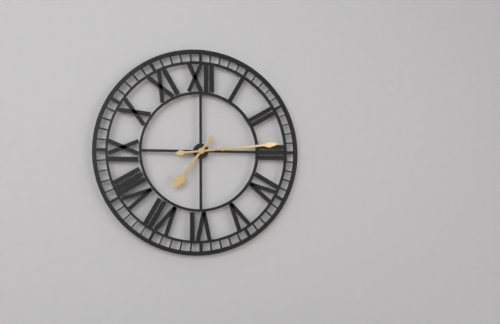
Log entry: {"hour": 7, "minute": 14}
